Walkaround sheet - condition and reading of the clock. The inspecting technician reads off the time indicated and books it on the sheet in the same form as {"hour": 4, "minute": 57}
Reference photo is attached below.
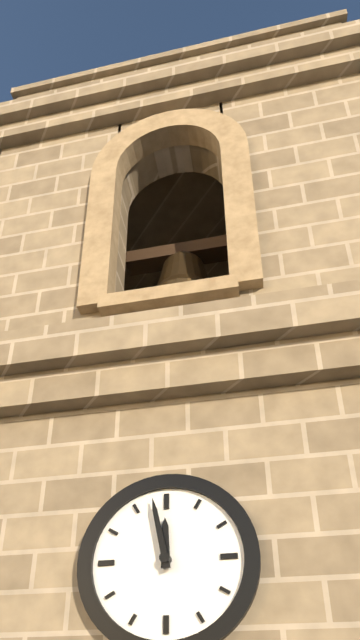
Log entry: {"hour": 11, "minute": 58}
